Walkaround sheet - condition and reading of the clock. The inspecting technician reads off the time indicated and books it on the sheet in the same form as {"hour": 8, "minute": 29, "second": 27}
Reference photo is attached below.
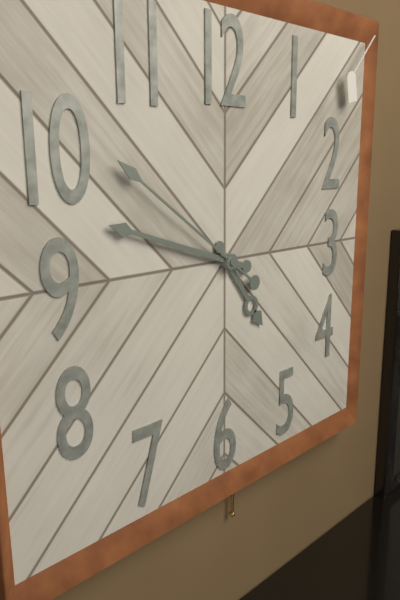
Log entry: {"hour": 4, "minute": 48, "second": 51}
